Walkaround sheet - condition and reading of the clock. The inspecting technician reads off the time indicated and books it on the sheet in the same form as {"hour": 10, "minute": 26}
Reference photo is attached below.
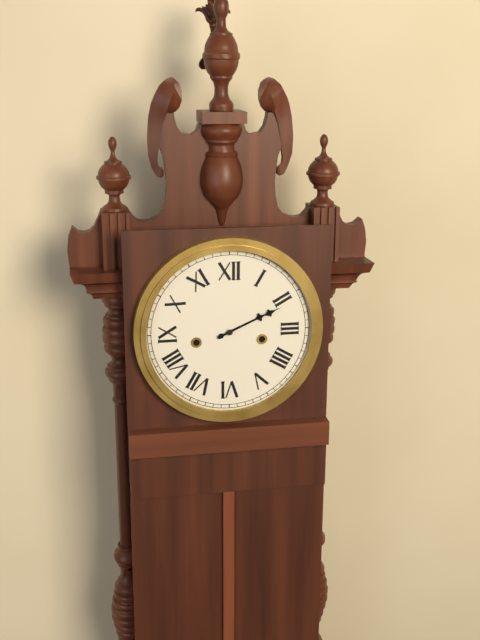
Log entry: {"hour": 2, "minute": 11}
